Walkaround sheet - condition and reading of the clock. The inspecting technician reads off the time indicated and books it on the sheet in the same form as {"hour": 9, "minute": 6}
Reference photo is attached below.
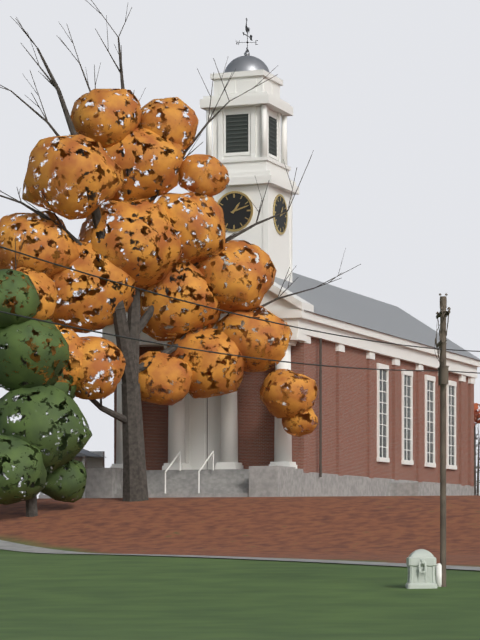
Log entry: {"hour": 1, "minute": 12}
